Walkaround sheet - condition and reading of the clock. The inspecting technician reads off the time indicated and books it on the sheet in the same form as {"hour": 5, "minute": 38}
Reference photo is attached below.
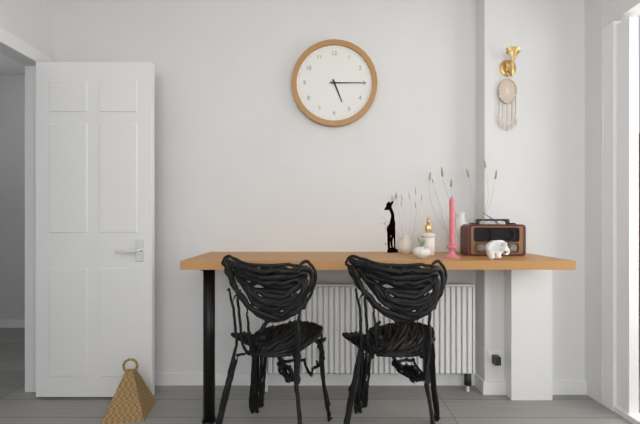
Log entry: {"hour": 5, "minute": 15}
